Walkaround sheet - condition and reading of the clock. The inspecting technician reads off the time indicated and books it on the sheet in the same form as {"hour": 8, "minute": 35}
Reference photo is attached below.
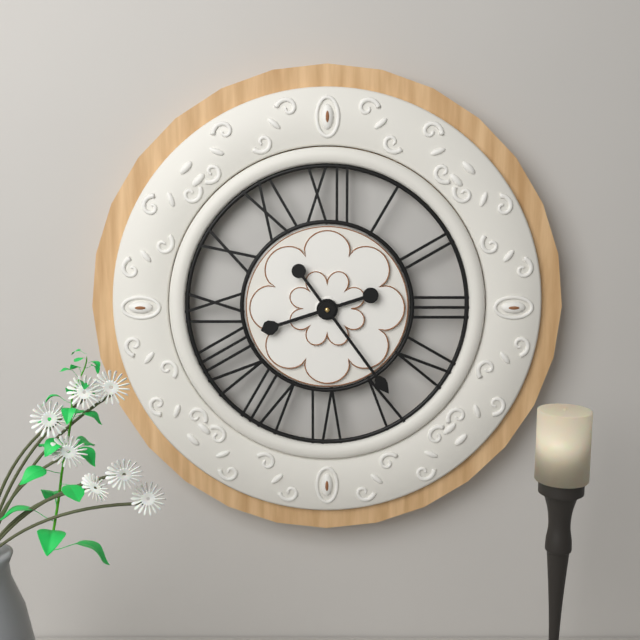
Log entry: {"hour": 8, "minute": 24}
